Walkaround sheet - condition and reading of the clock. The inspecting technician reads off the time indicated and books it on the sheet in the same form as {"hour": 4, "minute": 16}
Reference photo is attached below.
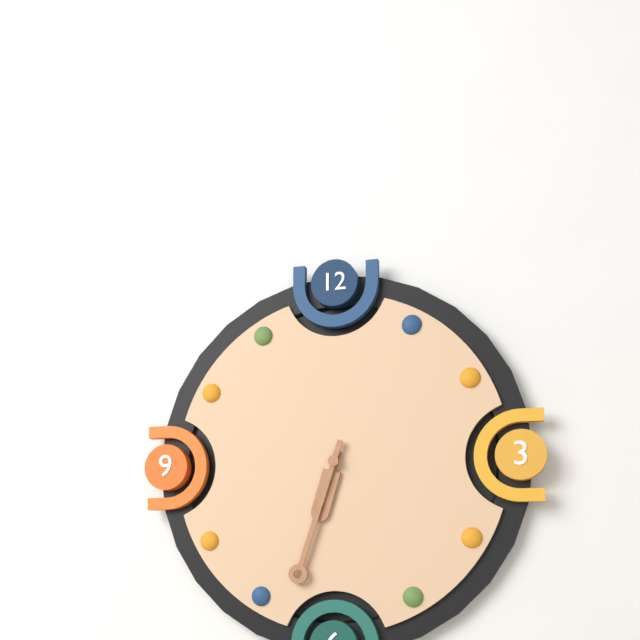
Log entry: {"hour": 6, "minute": 33}
